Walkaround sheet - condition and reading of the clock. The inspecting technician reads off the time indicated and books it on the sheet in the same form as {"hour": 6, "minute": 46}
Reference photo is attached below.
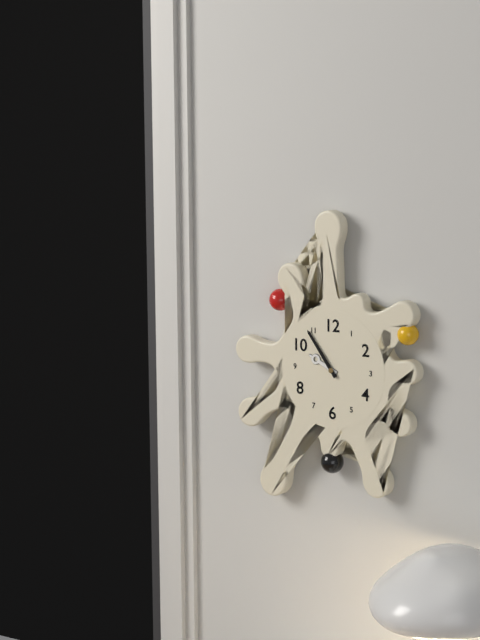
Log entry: {"hour": 9, "minute": 54}
